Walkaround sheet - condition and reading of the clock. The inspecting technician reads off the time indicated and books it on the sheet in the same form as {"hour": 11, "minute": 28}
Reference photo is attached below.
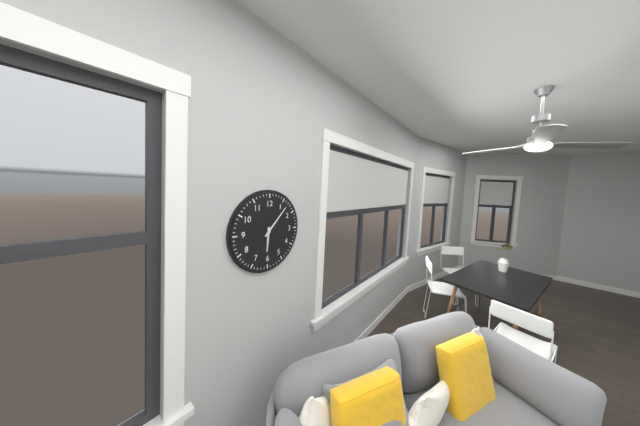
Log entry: {"hour": 6, "minute": 7}
